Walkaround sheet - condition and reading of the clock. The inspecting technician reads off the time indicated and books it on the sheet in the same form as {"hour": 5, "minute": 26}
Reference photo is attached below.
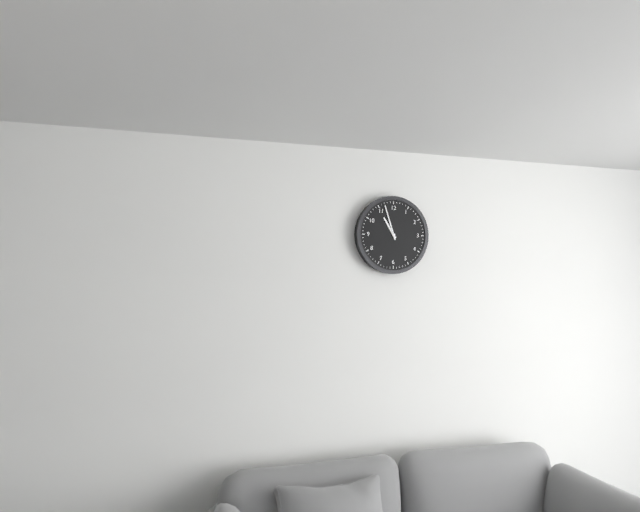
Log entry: {"hour": 10, "minute": 57}
